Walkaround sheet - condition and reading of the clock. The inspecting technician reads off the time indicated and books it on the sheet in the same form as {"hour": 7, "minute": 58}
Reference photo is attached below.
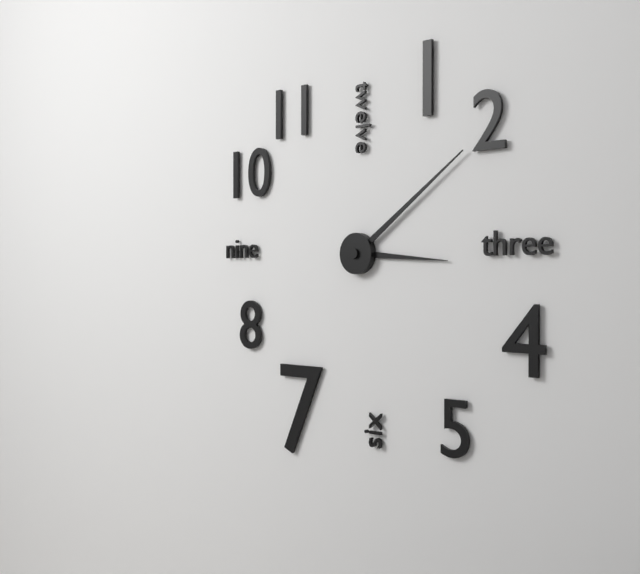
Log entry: {"hour": 3, "minute": 9}
